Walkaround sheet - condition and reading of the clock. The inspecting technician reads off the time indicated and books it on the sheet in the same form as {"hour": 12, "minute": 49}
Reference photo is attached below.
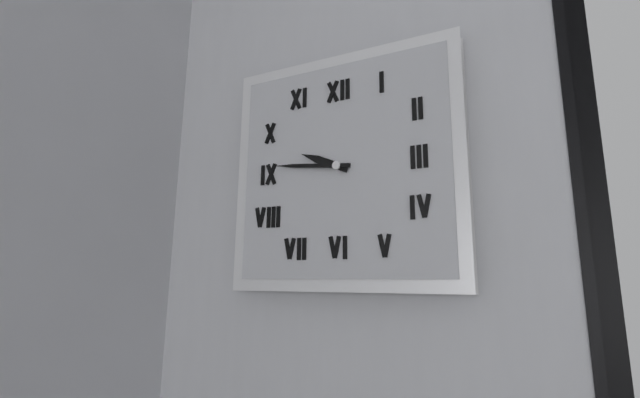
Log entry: {"hour": 9, "minute": 46}
